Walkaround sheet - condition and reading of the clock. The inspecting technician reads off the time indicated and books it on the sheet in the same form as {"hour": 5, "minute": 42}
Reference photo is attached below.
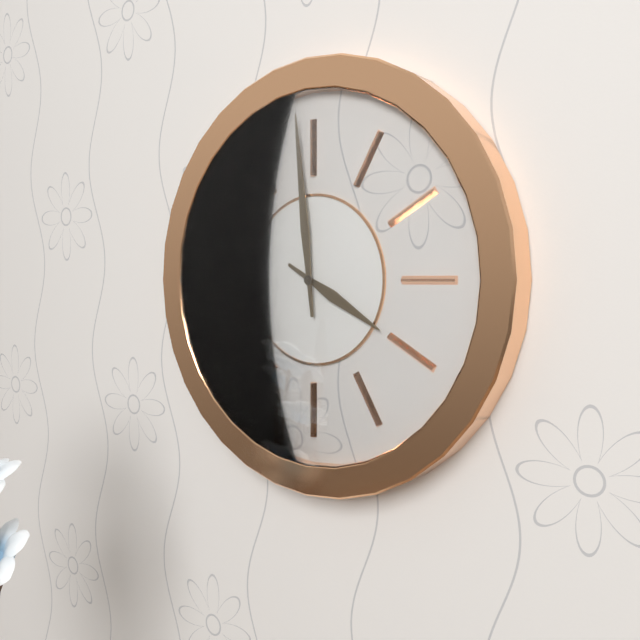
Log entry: {"hour": 3, "minute": 59}
